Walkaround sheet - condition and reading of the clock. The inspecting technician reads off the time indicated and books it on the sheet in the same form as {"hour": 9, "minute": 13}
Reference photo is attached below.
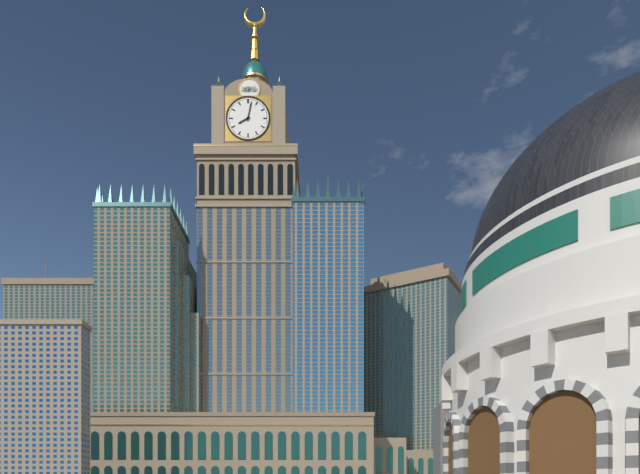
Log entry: {"hour": 8, "minute": 2}
